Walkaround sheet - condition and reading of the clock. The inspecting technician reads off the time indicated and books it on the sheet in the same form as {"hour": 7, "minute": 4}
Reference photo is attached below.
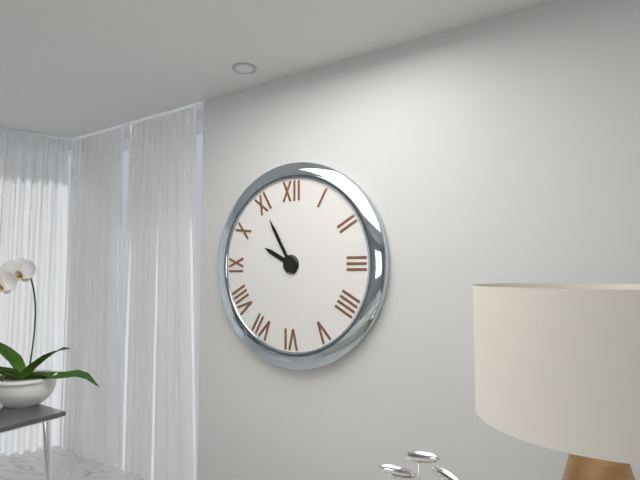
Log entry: {"hour": 9, "minute": 55}
